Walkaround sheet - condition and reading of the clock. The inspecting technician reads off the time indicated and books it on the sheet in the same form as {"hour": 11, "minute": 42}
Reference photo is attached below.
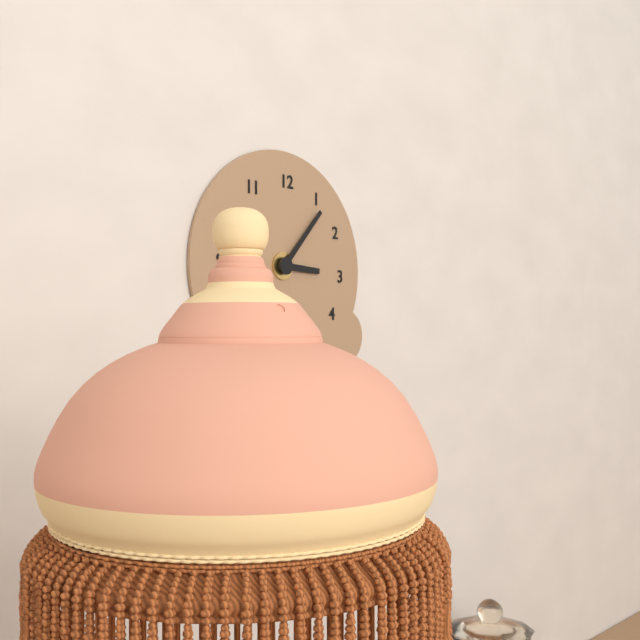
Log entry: {"hour": 3, "minute": 7}
